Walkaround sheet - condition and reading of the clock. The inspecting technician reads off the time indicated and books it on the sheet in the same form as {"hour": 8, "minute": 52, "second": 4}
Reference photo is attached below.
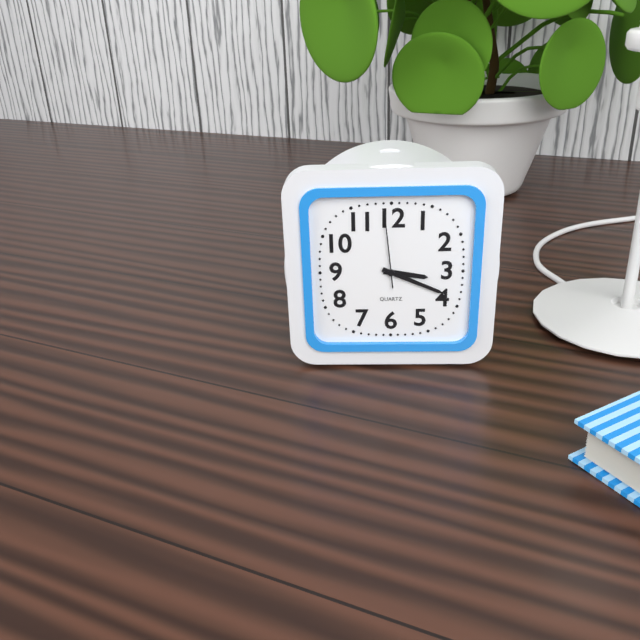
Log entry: {"hour": 3, "minute": 19, "second": 59}
